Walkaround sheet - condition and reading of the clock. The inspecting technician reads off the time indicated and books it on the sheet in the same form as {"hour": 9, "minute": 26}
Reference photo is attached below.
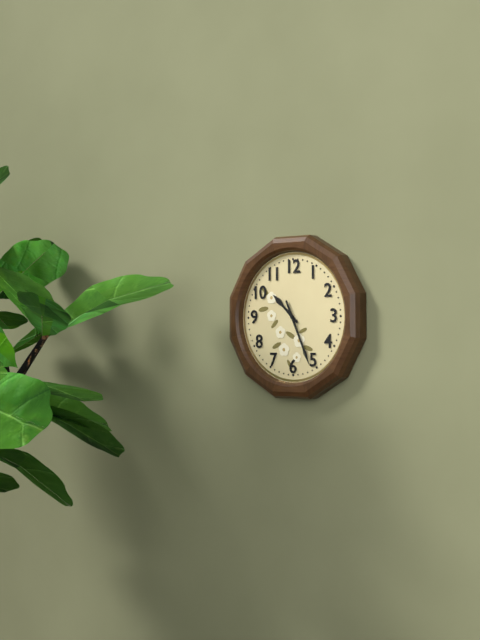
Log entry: {"hour": 10, "minute": 26}
